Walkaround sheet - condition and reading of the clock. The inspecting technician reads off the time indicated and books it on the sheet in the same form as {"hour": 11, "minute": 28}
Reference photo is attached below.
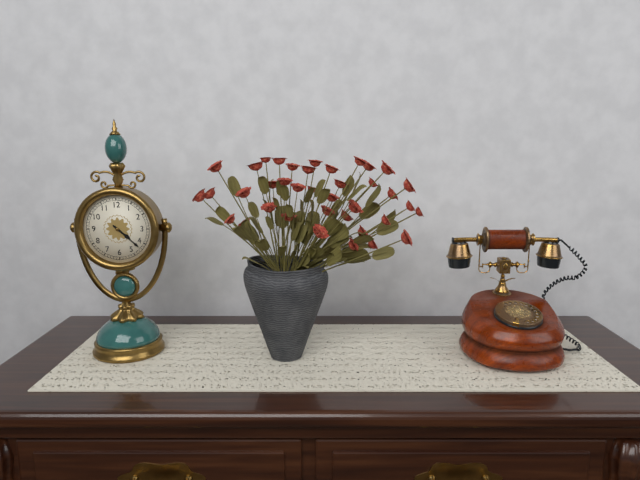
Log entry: {"hour": 4, "minute": 22}
